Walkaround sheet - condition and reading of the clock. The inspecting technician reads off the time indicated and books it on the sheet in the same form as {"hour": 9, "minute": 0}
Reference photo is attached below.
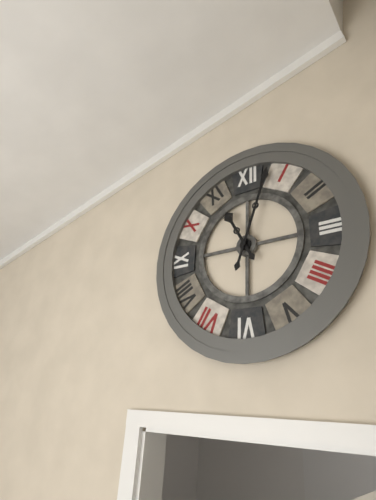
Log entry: {"hour": 11, "minute": 3}
